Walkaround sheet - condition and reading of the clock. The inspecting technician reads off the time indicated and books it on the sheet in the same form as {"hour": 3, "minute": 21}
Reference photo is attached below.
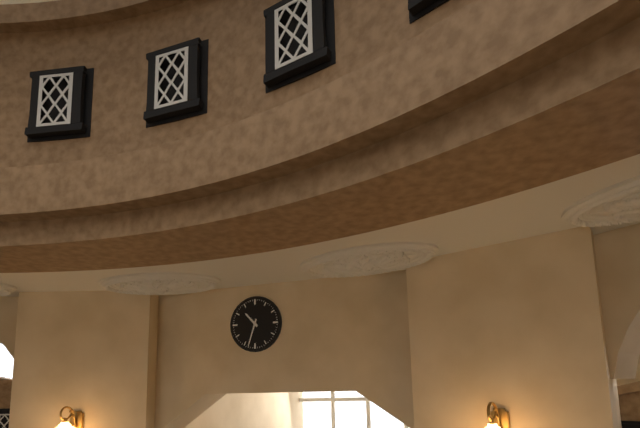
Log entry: {"hour": 10, "minute": 33}
